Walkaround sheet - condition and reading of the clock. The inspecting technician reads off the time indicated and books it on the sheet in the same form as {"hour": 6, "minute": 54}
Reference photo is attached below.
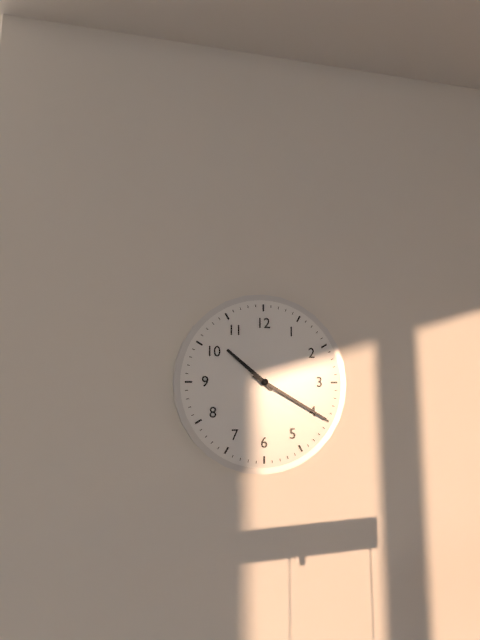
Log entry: {"hour": 10, "minute": 20}
